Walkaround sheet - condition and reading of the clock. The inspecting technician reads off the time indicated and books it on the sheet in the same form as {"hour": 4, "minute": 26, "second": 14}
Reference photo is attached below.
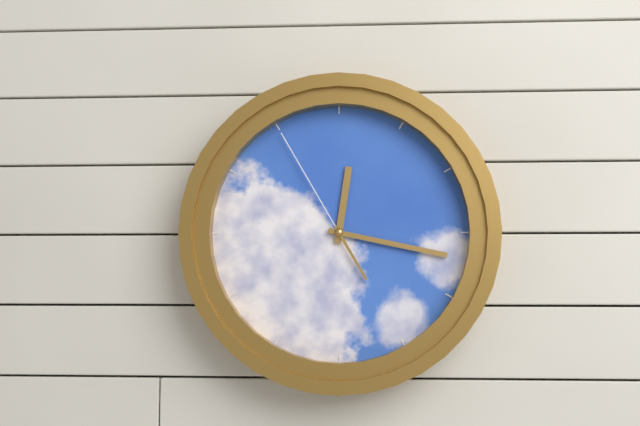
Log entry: {"hour": 12, "minute": 17, "second": 55}
